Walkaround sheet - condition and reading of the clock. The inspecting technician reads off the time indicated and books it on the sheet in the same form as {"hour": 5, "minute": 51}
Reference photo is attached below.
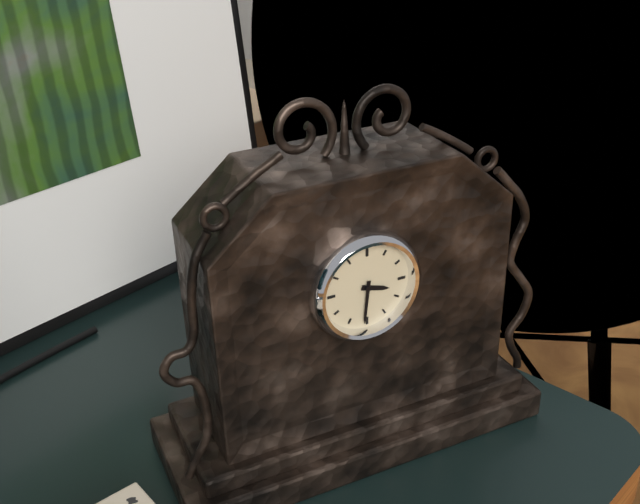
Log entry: {"hour": 3, "minute": 31}
